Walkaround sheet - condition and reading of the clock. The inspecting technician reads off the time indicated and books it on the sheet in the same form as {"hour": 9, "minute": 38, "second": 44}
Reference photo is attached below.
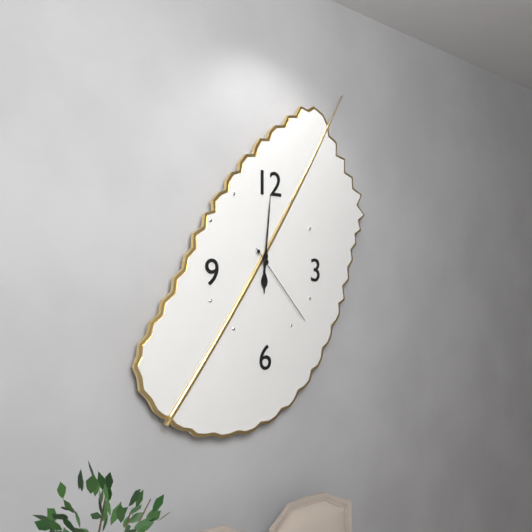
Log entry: {"hour": 6, "minute": 1, "second": 23}
